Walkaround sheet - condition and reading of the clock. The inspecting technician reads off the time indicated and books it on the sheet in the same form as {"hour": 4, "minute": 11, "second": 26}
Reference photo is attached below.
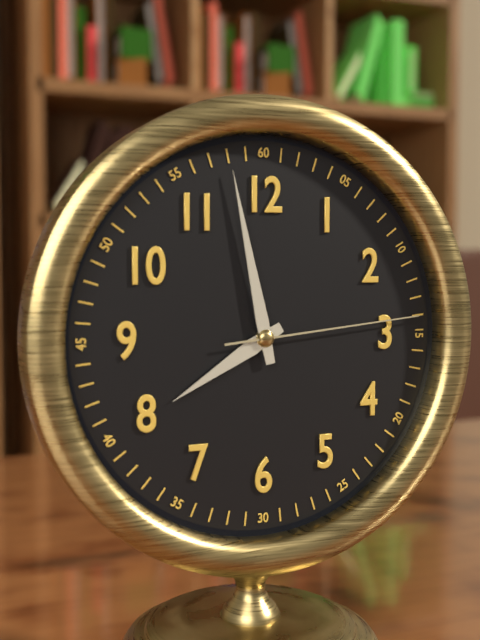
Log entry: {"hour": 7, "minute": 58, "second": 14}
